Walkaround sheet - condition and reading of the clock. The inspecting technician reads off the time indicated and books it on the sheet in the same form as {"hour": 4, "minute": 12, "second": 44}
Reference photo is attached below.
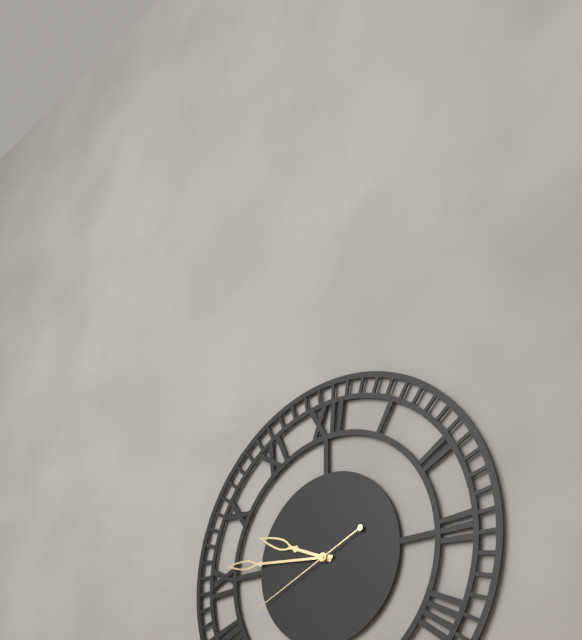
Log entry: {"hour": 9, "minute": 46, "second": 41}
